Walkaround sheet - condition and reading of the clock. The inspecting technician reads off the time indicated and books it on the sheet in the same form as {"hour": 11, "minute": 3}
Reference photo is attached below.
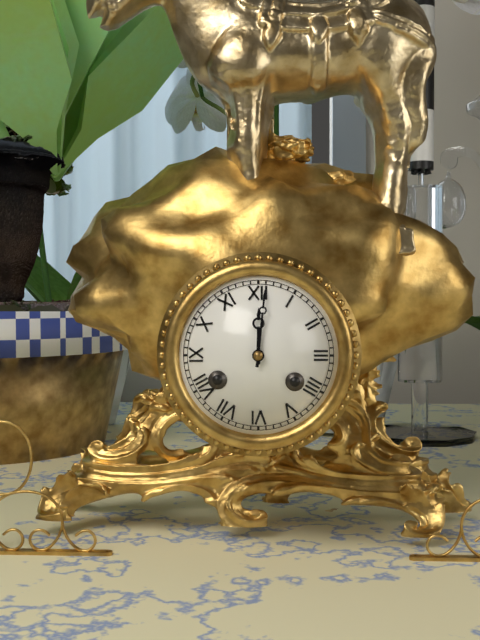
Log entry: {"hour": 12, "minute": 1}
